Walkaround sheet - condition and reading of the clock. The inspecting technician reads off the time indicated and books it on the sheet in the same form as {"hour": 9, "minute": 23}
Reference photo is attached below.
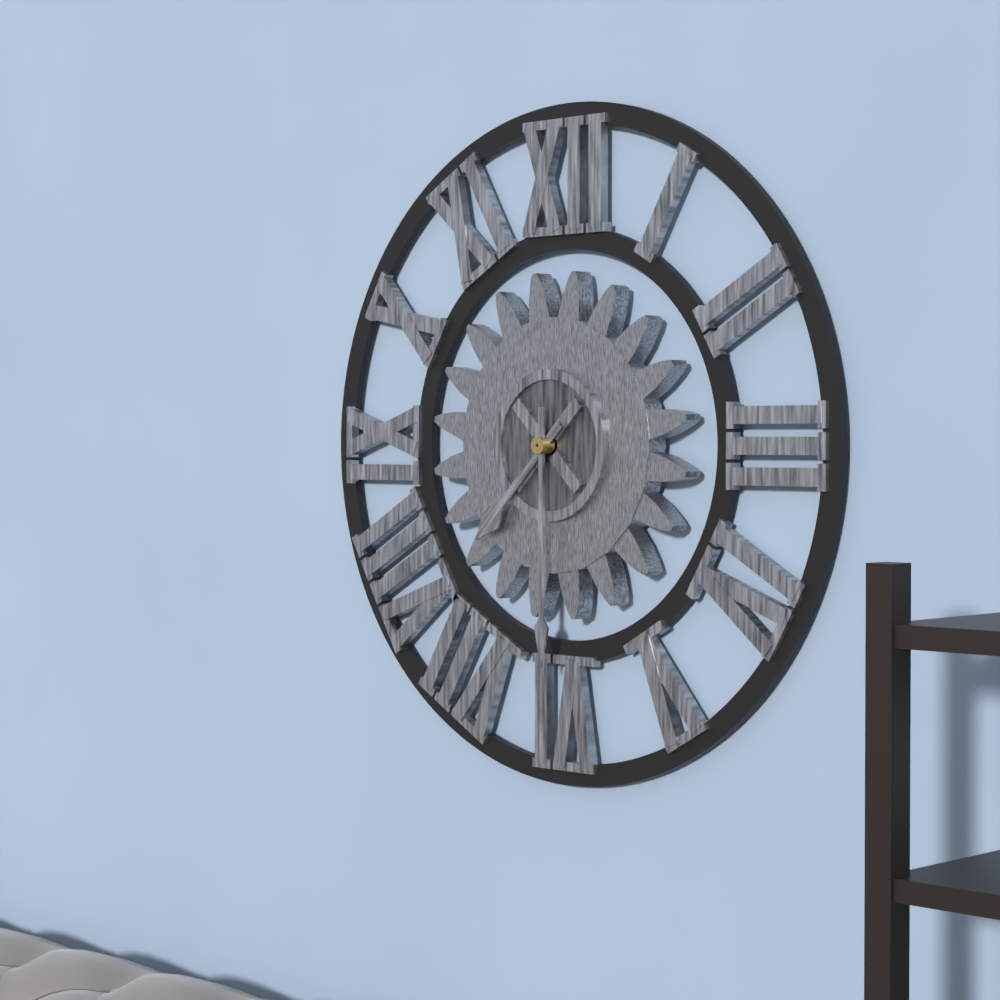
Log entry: {"hour": 7, "minute": 30}
